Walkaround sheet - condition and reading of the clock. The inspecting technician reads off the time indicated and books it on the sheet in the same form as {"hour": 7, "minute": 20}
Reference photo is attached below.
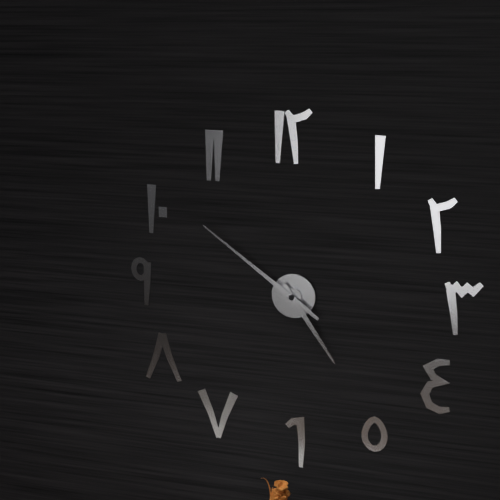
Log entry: {"hour": 4, "minute": 51}
